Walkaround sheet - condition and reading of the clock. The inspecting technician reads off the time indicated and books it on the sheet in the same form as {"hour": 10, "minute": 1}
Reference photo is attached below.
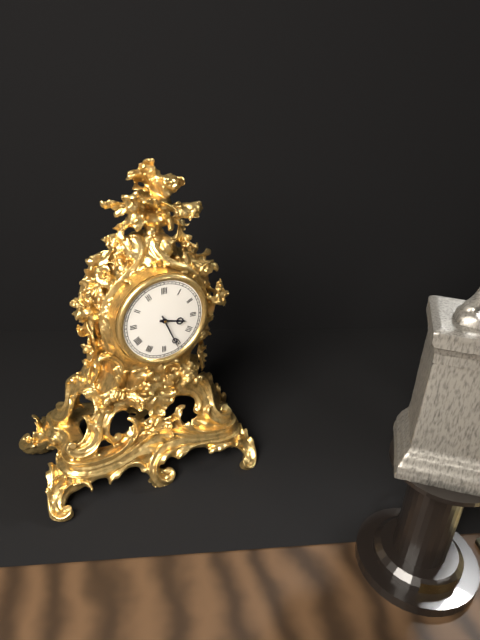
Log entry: {"hour": 3, "minute": 26}
